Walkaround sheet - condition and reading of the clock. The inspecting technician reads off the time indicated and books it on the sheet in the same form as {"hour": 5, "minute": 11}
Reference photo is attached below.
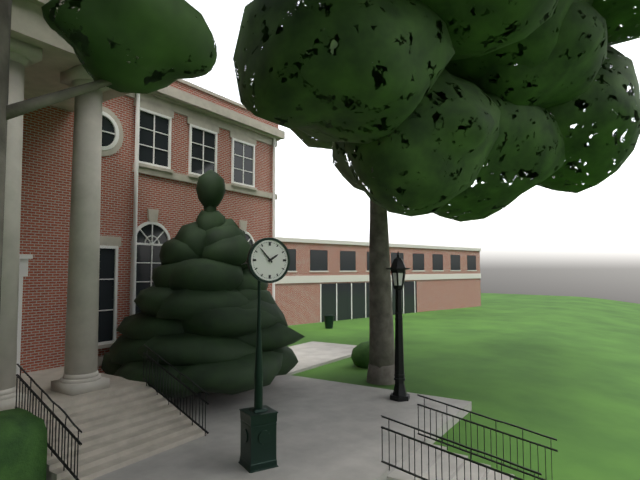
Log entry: {"hour": 1, "minute": 53}
